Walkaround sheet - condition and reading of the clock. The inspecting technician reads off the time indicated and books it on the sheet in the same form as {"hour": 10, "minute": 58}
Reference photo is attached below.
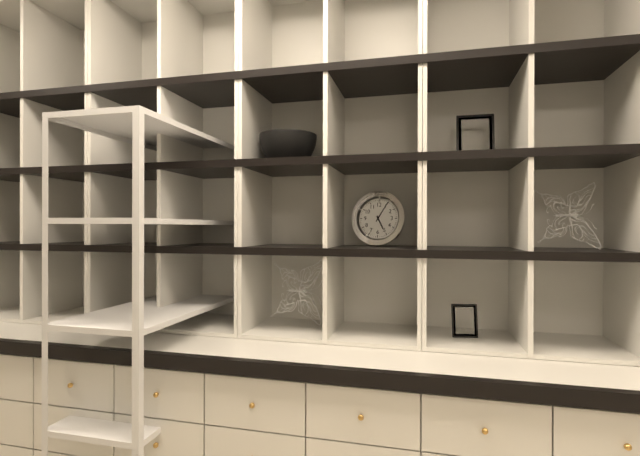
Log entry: {"hour": 5, "minute": 5}
